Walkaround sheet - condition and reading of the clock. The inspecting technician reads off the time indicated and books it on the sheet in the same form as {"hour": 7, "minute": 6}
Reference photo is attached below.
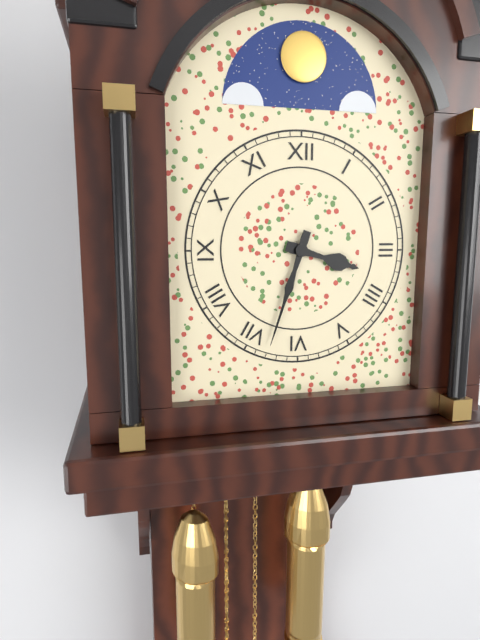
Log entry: {"hour": 3, "minute": 33}
